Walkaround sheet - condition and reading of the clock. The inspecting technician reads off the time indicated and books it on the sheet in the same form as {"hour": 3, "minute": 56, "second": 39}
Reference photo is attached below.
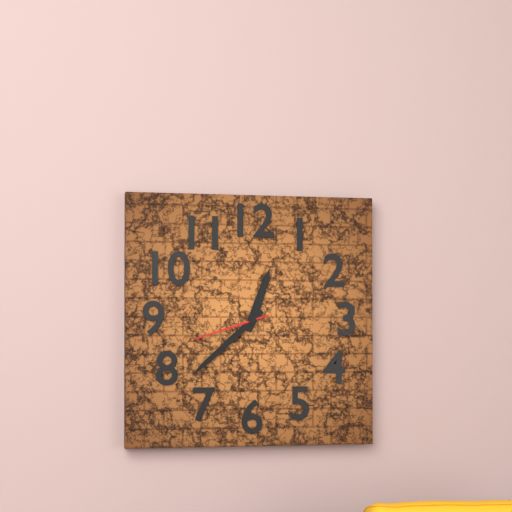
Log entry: {"hour": 12, "minute": 38, "second": 42}
